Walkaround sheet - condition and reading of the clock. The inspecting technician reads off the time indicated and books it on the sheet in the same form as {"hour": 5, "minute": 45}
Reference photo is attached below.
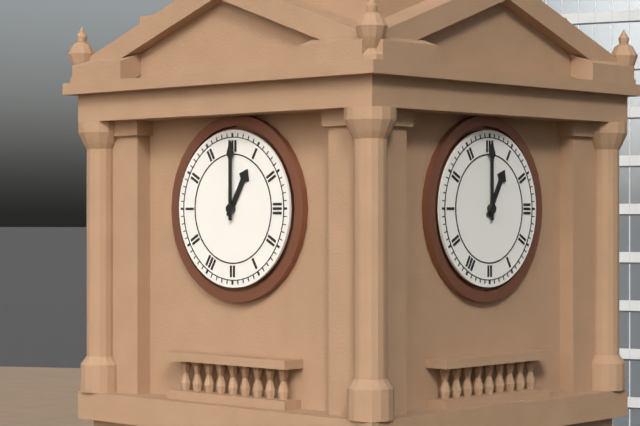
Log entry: {"hour": 1, "minute": 0}
